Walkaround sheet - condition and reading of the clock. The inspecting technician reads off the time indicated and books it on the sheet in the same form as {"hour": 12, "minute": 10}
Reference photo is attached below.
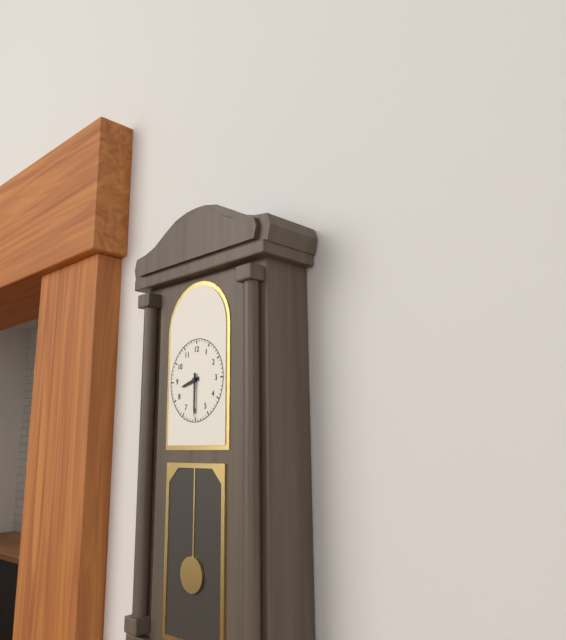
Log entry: {"hour": 8, "minute": 30}
